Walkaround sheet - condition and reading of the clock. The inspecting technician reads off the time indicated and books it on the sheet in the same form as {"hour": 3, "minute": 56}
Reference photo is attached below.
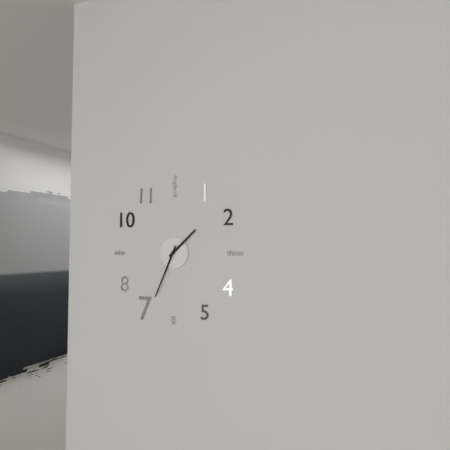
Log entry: {"hour": 1, "minute": 34}
